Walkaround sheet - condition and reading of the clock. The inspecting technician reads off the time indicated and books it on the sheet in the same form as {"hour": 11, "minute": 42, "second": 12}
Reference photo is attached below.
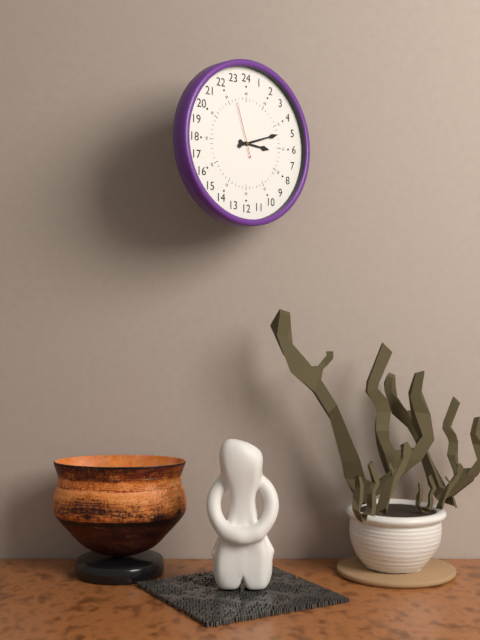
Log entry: {"hour": 3, "minute": 12, "second": 57}
